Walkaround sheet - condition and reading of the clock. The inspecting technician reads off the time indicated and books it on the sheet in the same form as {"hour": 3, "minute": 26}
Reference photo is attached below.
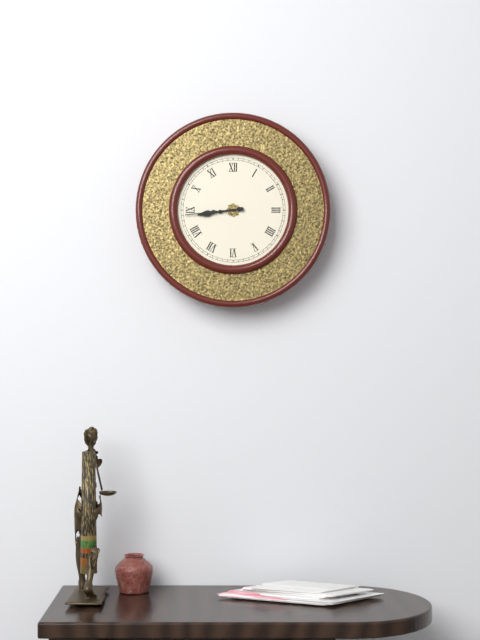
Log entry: {"hour": 8, "minute": 44}
